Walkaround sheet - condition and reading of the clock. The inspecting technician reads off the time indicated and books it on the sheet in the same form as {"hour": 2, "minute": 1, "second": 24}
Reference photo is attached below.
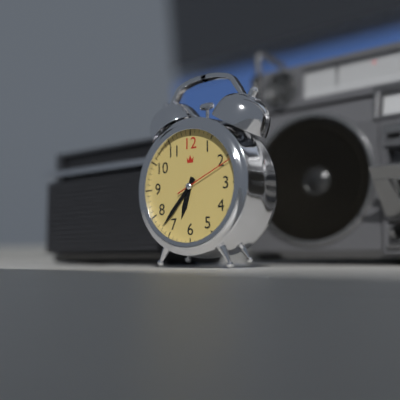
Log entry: {"hour": 6, "minute": 37, "second": 11}
